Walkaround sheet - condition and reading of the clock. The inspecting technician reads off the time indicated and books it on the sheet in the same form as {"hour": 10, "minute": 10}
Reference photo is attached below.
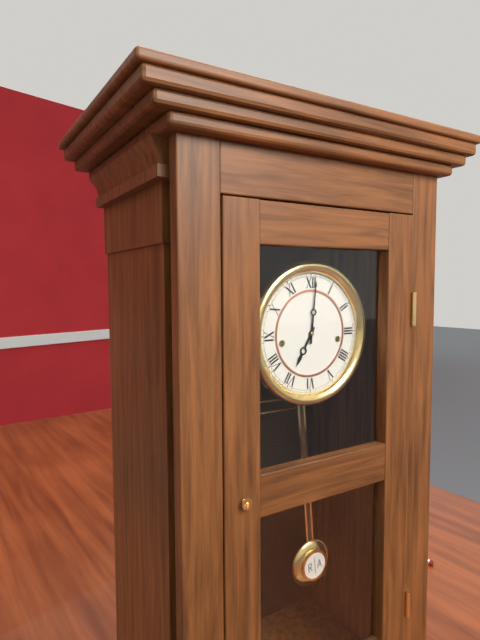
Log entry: {"hour": 7, "minute": 1}
